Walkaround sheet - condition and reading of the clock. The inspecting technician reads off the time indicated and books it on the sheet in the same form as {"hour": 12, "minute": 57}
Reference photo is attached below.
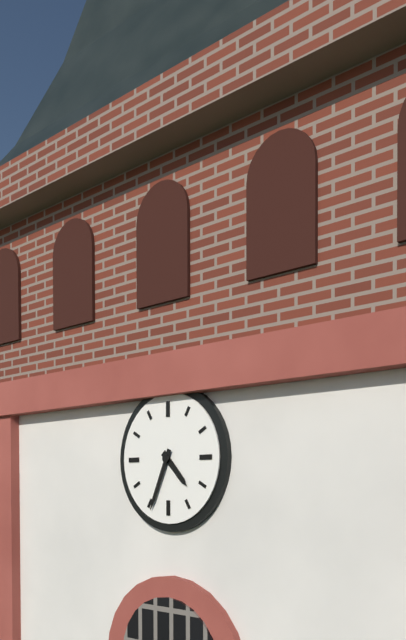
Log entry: {"hour": 4, "minute": 34}
